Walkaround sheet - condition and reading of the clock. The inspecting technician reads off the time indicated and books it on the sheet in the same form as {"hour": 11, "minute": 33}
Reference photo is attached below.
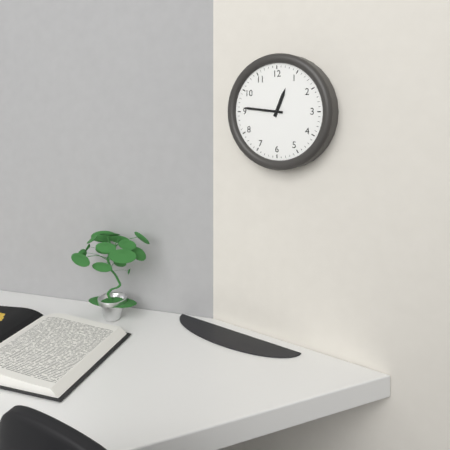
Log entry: {"hour": 12, "minute": 46}
